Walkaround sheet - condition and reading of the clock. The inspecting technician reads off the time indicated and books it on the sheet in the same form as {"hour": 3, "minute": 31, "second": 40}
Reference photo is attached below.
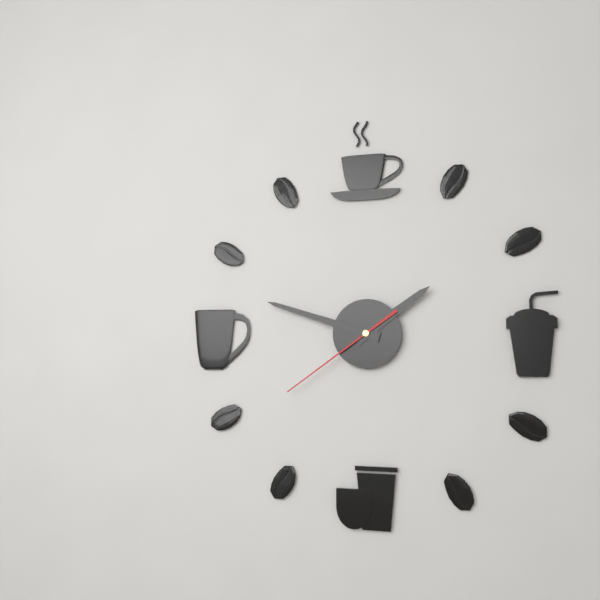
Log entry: {"hour": 1, "minute": 48, "second": 39}
